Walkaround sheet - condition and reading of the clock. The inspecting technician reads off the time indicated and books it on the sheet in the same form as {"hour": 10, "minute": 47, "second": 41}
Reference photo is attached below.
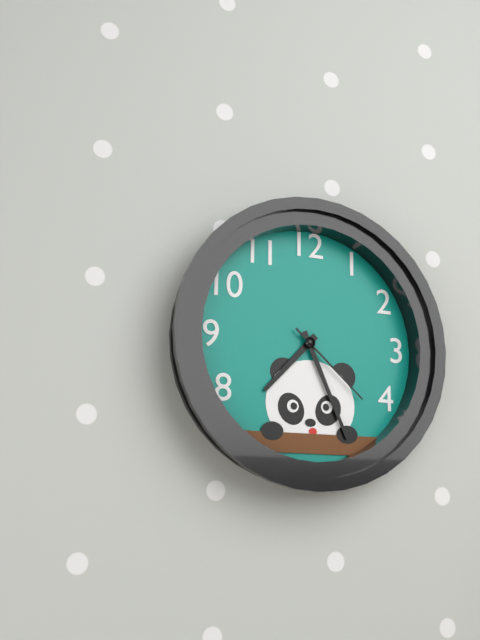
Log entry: {"hour": 7, "minute": 26, "second": 22}
